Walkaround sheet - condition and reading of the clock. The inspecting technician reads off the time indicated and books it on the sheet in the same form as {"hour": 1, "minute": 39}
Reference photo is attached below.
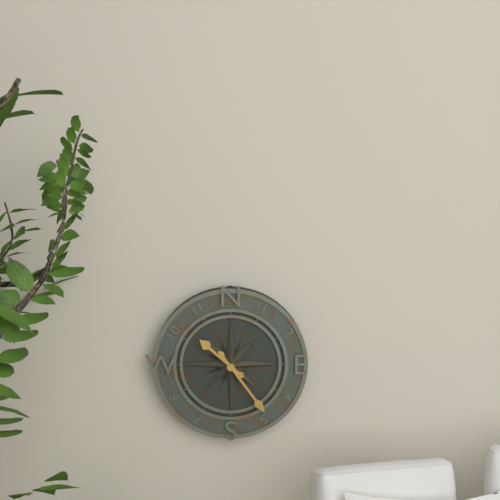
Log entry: {"hour": 10, "minute": 24}
